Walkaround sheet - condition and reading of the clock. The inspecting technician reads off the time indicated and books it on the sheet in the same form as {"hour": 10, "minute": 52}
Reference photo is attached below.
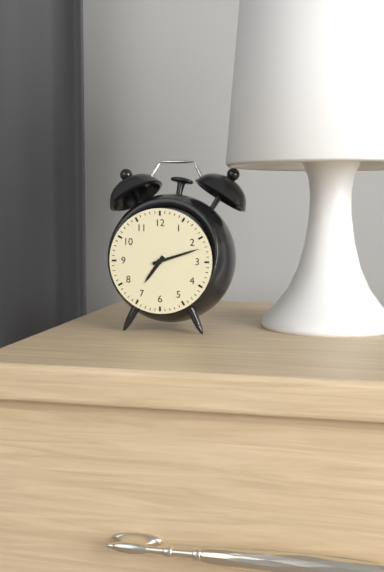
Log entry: {"hour": 7, "minute": 12}
